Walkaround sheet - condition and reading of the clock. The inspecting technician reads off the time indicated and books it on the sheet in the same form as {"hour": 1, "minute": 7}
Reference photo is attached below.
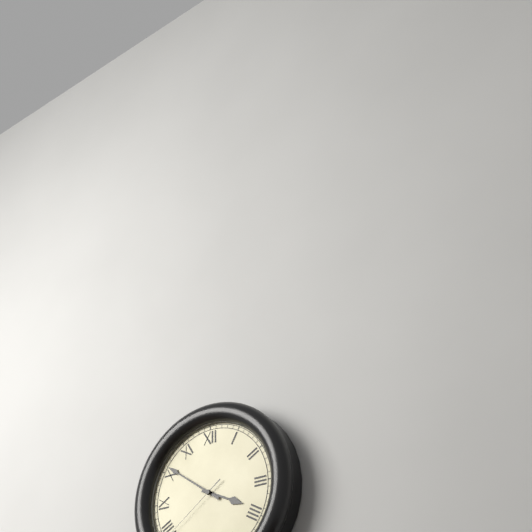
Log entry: {"hour": 3, "minute": 51}
